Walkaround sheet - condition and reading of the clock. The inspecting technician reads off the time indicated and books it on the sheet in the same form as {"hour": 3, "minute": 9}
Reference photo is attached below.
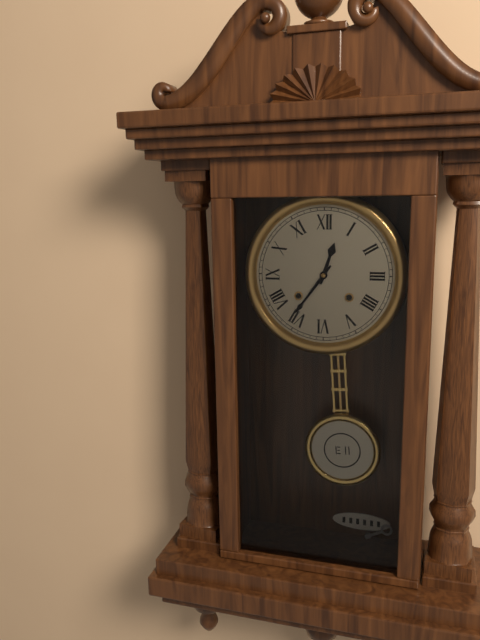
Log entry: {"hour": 12, "minute": 36}
